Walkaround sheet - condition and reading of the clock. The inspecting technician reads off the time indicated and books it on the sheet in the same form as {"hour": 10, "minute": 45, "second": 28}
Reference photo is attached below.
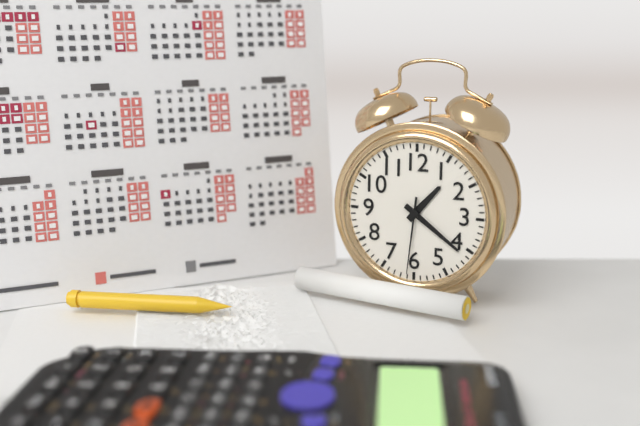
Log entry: {"hour": 1, "minute": 21, "second": 31}
